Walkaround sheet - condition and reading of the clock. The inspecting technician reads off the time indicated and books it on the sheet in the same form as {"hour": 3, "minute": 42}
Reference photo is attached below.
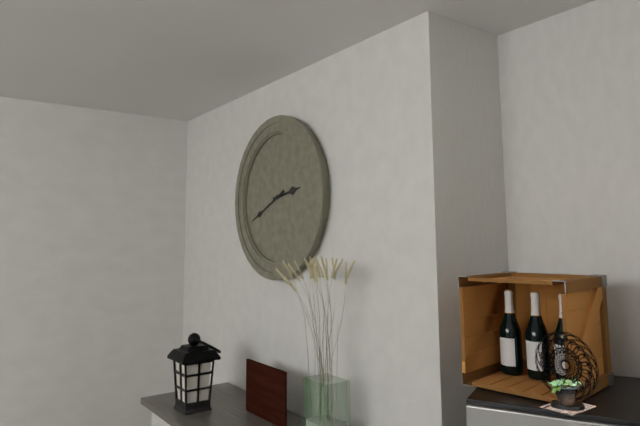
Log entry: {"hour": 2, "minute": 41}
